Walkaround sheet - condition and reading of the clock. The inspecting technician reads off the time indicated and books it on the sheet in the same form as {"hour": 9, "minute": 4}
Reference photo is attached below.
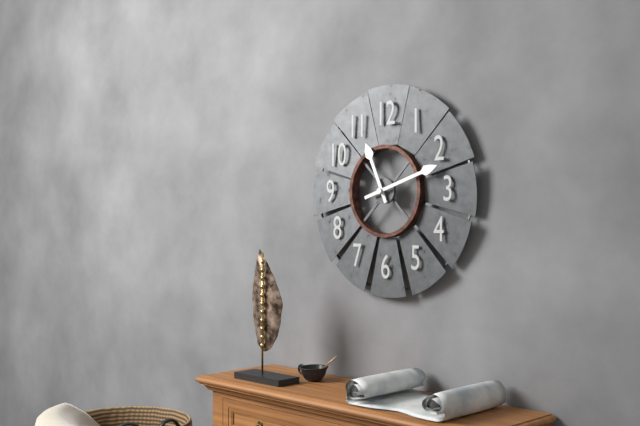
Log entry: {"hour": 11, "minute": 12}
